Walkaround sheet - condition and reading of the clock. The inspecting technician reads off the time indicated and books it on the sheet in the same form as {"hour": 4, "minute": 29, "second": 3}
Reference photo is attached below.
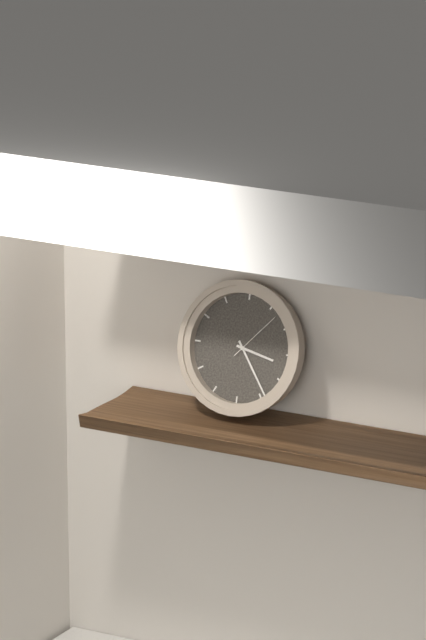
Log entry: {"hour": 3, "minute": 24, "second": 7}
